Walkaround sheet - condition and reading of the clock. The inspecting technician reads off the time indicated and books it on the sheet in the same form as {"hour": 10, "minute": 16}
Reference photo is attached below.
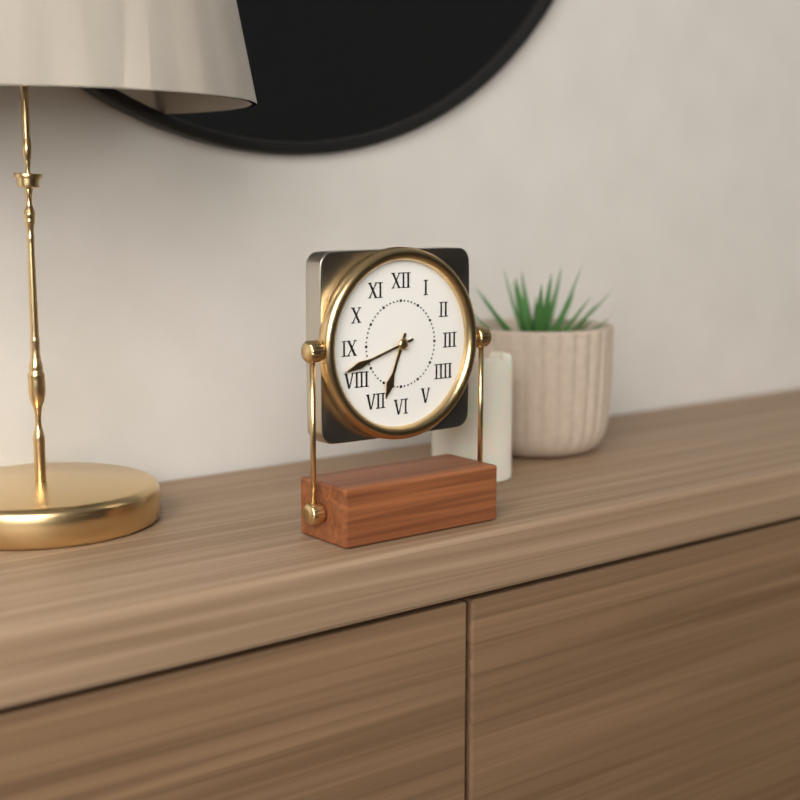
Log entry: {"hour": 6, "minute": 42}
